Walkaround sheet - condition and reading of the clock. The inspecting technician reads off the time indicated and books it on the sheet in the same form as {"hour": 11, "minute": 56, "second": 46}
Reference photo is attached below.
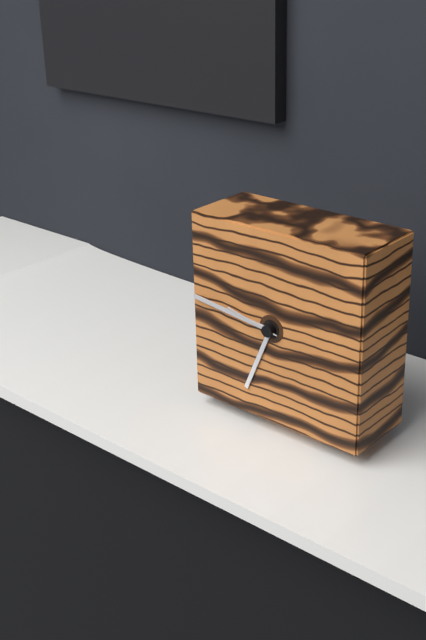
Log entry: {"hour": 6, "minute": 46, "second": 47}
